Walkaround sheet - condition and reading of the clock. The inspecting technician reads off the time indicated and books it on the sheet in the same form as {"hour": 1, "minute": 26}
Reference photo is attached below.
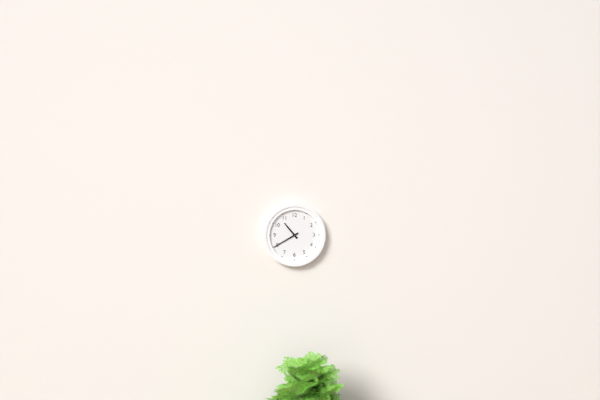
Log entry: {"hour": 10, "minute": 40}
